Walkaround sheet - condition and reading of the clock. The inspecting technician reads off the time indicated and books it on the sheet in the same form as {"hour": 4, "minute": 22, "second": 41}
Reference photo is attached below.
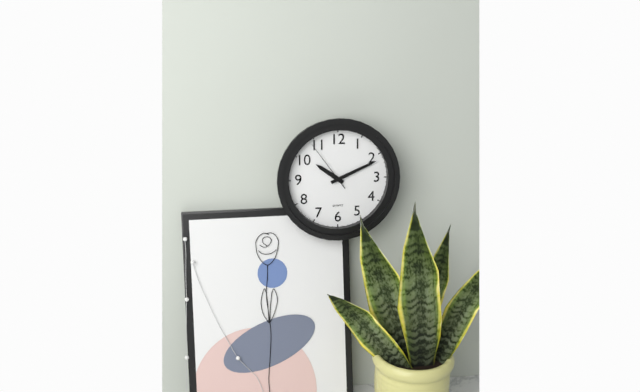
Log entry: {"hour": 10, "minute": 11, "second": 54}
